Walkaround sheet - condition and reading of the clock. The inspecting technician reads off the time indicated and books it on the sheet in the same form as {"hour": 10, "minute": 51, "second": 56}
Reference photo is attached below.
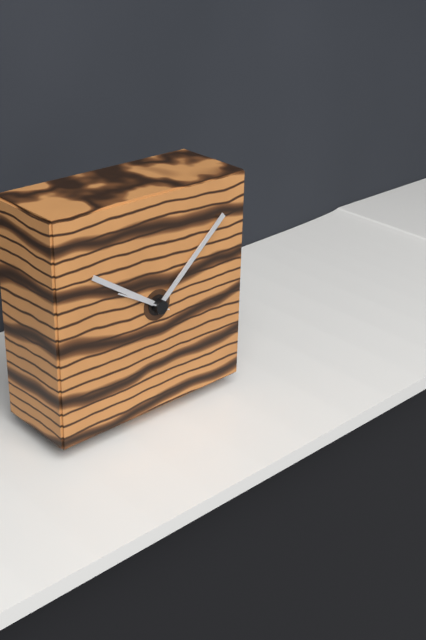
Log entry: {"hour": 10, "minute": 8, "second": 50}
